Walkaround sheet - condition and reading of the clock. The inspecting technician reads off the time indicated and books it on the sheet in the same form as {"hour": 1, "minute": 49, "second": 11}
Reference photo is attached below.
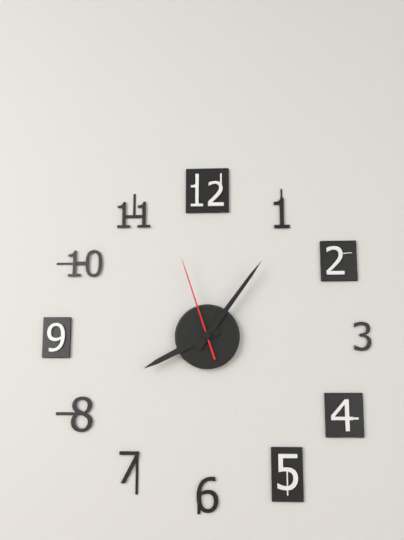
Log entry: {"hour": 8, "minute": 6, "second": 57}
